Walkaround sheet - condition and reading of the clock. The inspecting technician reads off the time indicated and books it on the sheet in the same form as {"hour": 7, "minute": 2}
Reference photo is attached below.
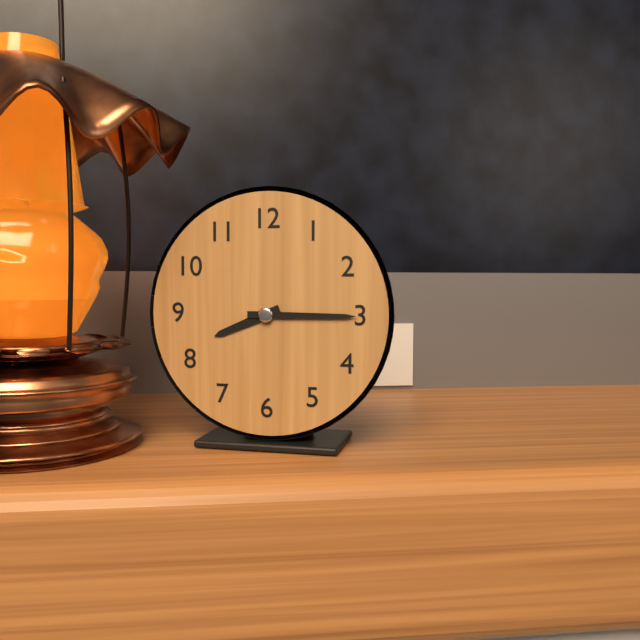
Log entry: {"hour": 8, "minute": 15}
